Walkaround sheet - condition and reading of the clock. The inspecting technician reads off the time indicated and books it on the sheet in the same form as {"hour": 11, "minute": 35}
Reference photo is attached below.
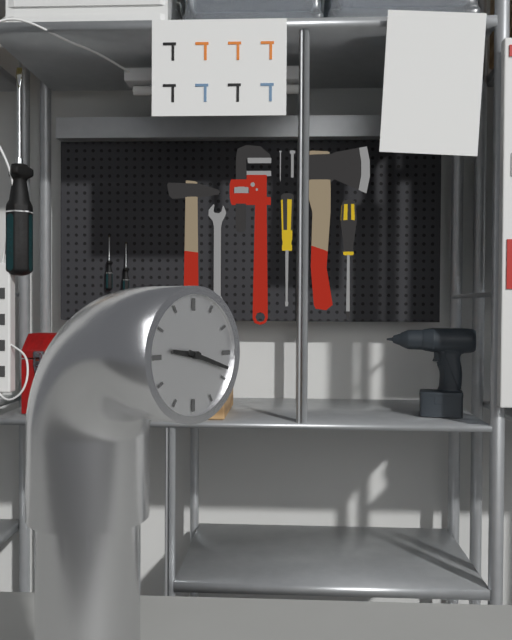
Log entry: {"hour": 9, "minute": 18}
